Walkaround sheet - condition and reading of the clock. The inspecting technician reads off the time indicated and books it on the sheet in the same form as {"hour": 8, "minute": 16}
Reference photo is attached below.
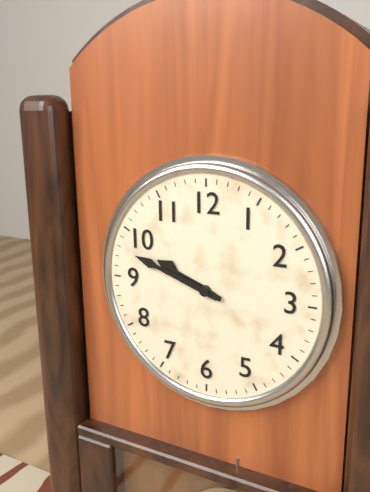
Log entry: {"hour": 9, "minute": 48}
